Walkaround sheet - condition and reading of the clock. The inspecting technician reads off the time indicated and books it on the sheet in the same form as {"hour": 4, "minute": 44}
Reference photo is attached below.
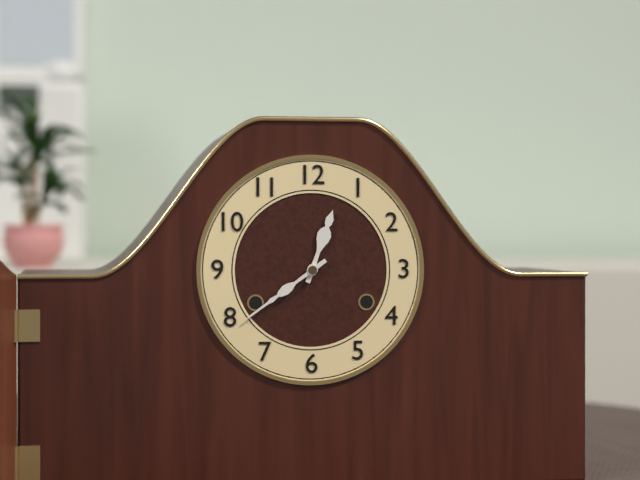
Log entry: {"hour": 12, "minute": 39}
